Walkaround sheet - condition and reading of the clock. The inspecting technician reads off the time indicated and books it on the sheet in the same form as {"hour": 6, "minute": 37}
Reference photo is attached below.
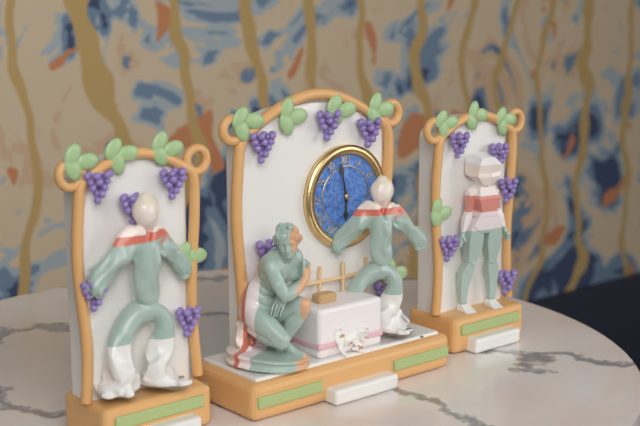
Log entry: {"hour": 5, "minute": 58}
